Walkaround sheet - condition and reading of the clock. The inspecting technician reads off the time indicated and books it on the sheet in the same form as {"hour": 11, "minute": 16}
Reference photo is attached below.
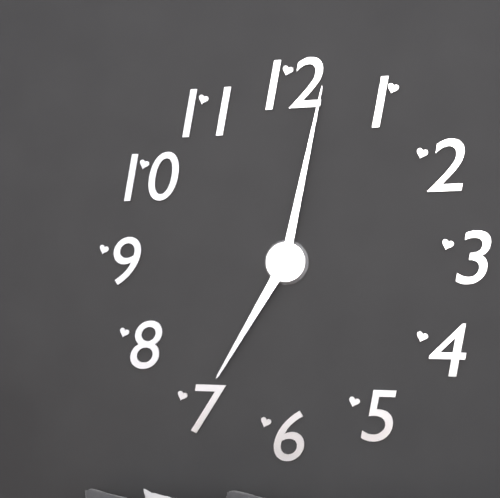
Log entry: {"hour": 7, "minute": 2}
